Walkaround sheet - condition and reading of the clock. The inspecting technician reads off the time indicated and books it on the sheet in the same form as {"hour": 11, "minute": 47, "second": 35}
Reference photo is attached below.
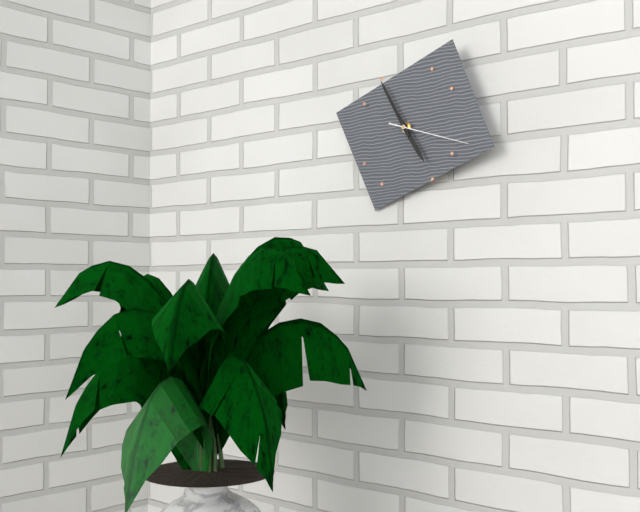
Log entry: {"hour": 4, "minute": 55, "second": 18}
